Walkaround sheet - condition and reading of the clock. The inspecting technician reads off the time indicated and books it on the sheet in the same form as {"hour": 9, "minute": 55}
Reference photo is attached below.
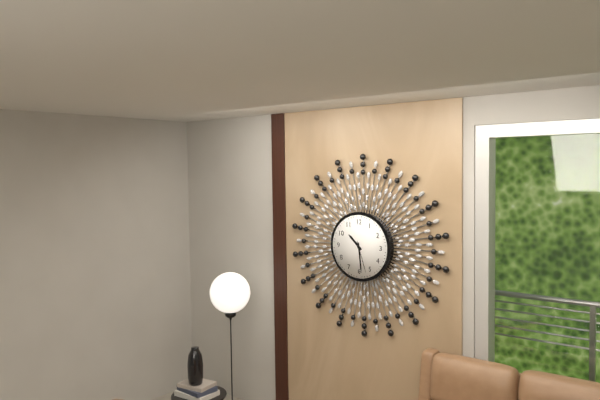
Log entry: {"hour": 10, "minute": 29}
